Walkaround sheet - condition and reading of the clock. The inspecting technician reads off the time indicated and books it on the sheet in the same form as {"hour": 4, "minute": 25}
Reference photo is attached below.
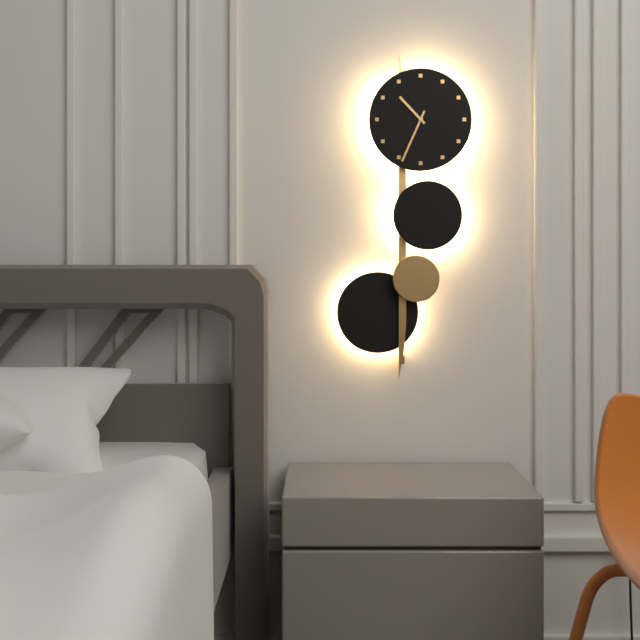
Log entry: {"hour": 10, "minute": 34}
